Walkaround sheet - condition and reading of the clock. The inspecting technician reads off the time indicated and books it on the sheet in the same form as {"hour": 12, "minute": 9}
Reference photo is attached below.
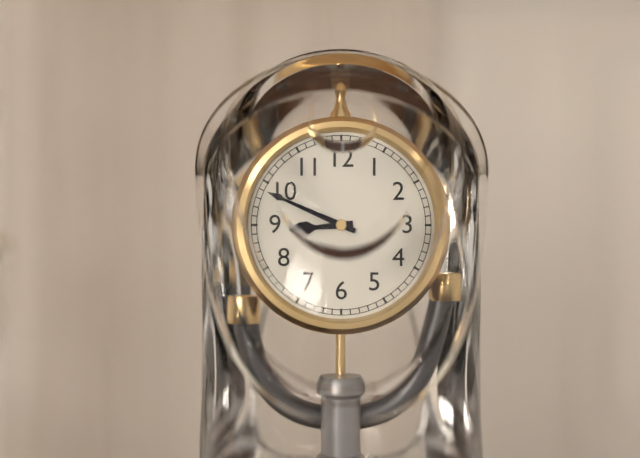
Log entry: {"hour": 8, "minute": 49}
